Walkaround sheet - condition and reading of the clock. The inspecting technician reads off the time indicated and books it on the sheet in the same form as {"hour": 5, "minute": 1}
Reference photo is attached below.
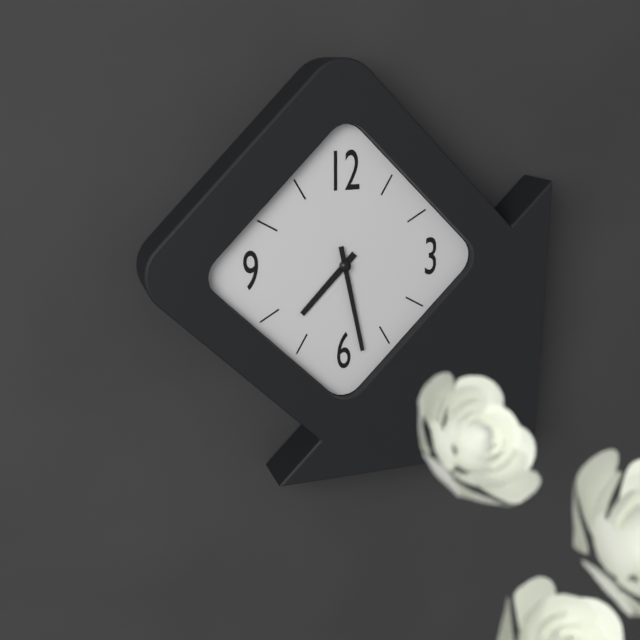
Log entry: {"hour": 7, "minute": 28}
